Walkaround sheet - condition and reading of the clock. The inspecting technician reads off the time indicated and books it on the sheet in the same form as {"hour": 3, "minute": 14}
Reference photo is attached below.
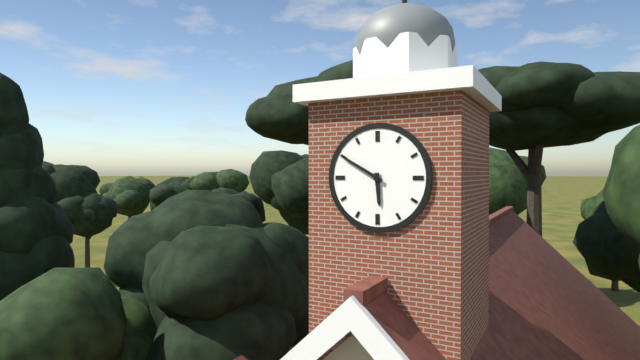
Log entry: {"hour": 5, "minute": 50}
